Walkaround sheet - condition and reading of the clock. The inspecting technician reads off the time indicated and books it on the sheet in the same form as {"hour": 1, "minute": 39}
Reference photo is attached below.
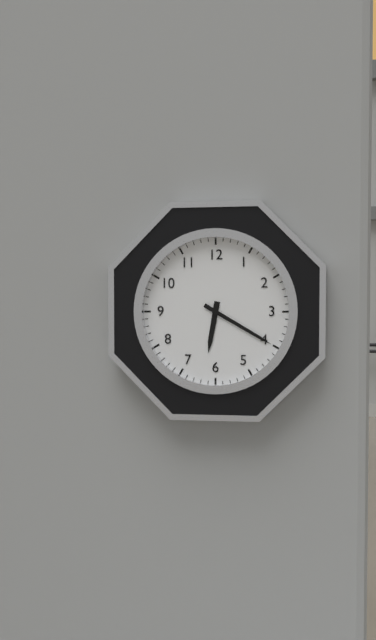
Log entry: {"hour": 6, "minute": 20}
